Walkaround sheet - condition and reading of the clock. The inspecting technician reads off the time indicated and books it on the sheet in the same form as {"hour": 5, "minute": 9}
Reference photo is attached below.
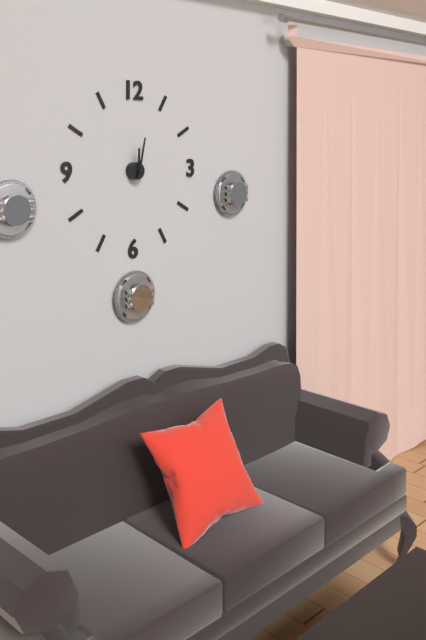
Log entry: {"hour": 12, "minute": 2}
